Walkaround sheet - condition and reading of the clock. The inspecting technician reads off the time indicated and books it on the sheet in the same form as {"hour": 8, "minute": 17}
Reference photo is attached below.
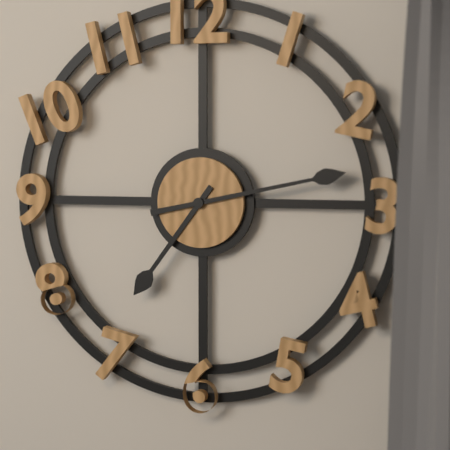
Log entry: {"hour": 7, "minute": 13}
